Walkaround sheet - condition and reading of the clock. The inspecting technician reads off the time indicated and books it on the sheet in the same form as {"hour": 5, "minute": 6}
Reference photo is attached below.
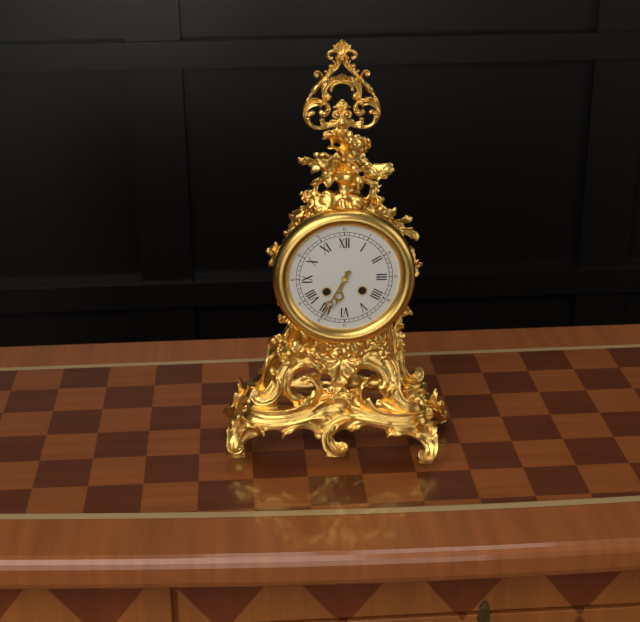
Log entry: {"hour": 6, "minute": 35}
